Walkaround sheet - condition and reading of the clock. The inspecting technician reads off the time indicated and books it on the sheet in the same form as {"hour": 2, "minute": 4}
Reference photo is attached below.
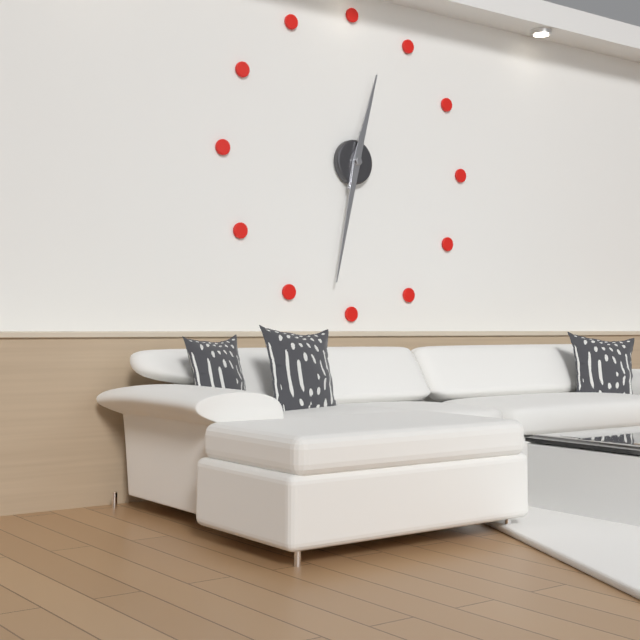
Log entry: {"hour": 12, "minute": 32}
